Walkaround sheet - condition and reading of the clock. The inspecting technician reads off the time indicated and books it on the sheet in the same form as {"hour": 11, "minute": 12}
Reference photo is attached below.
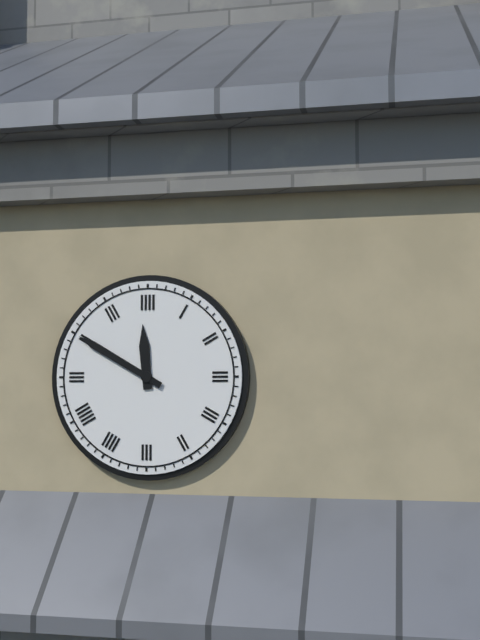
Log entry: {"hour": 11, "minute": 50}
